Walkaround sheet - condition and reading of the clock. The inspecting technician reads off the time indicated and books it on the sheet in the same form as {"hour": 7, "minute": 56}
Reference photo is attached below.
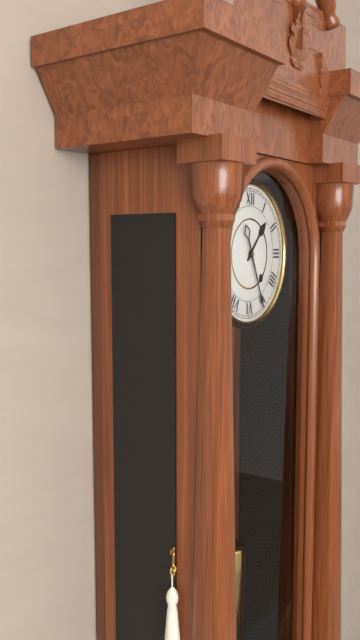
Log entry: {"hour": 1, "minute": 26}
